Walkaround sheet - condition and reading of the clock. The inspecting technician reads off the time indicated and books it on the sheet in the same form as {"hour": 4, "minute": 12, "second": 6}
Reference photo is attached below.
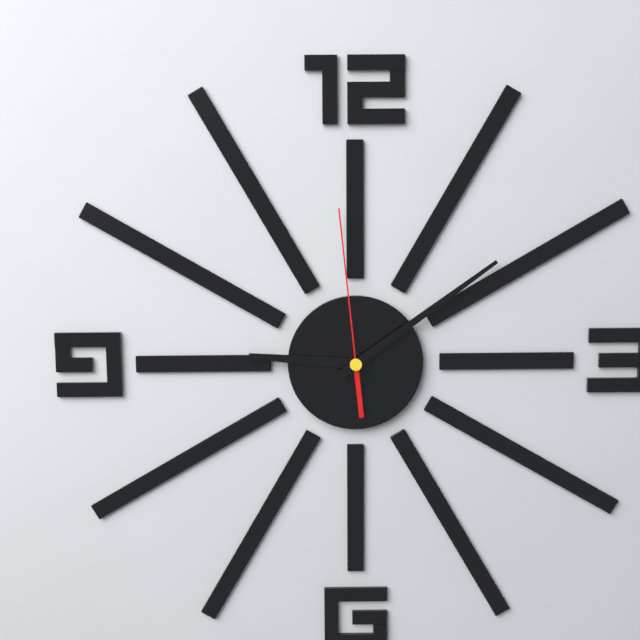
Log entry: {"hour": 9, "minute": 9, "second": 59}
